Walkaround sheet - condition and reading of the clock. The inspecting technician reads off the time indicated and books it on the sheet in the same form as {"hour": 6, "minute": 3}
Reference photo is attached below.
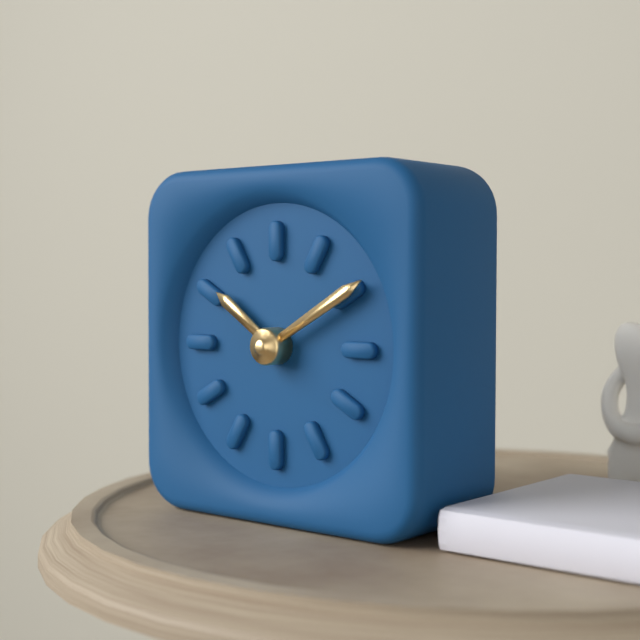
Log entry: {"hour": 10, "minute": 10}
